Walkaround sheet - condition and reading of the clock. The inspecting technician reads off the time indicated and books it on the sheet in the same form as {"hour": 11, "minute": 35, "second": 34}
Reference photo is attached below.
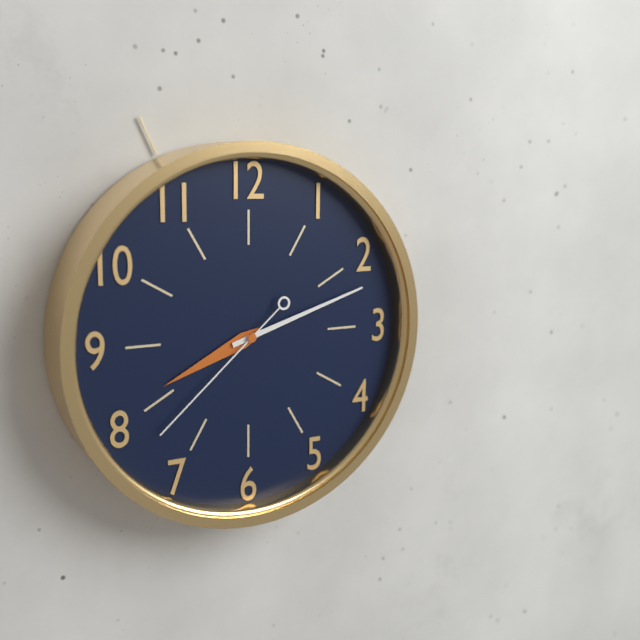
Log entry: {"hour": 8, "minute": 12, "second": 38}
